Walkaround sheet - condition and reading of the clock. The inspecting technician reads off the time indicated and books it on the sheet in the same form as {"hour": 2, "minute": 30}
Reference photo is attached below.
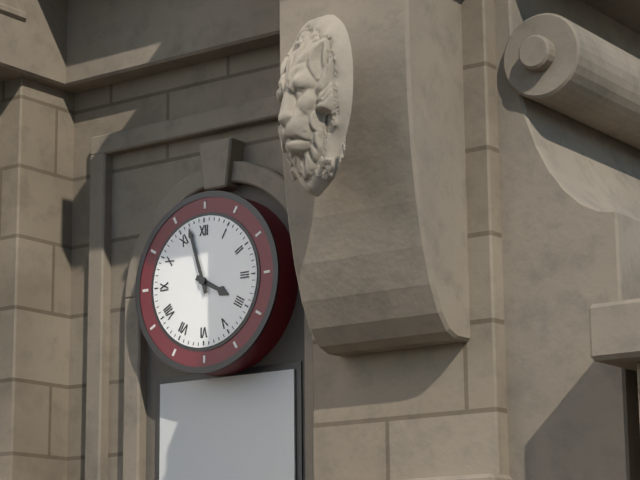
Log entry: {"hour": 3, "minute": 57}
